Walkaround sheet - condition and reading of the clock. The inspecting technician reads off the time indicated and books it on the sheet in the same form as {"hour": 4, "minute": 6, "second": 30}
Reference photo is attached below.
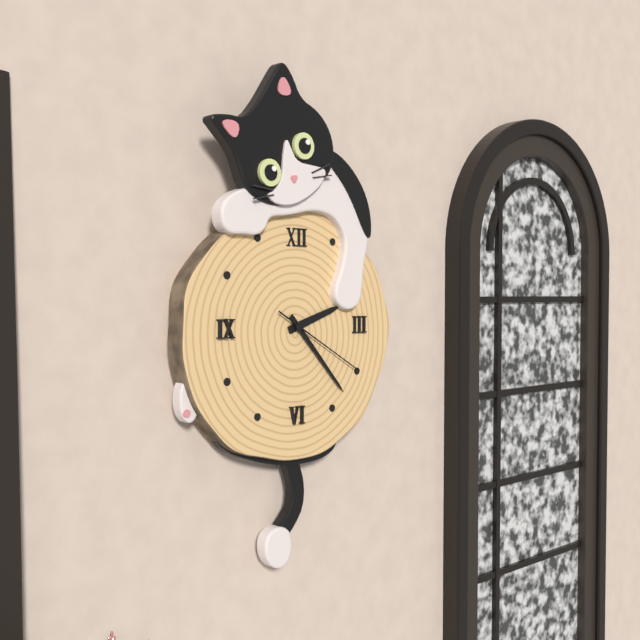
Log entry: {"hour": 2, "minute": 23, "second": 20}
